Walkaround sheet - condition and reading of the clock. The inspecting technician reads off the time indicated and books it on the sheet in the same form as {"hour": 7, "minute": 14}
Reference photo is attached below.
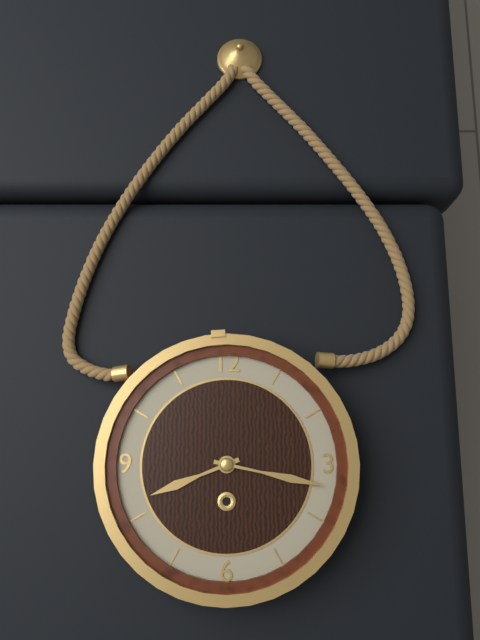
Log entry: {"hour": 8, "minute": 17}
